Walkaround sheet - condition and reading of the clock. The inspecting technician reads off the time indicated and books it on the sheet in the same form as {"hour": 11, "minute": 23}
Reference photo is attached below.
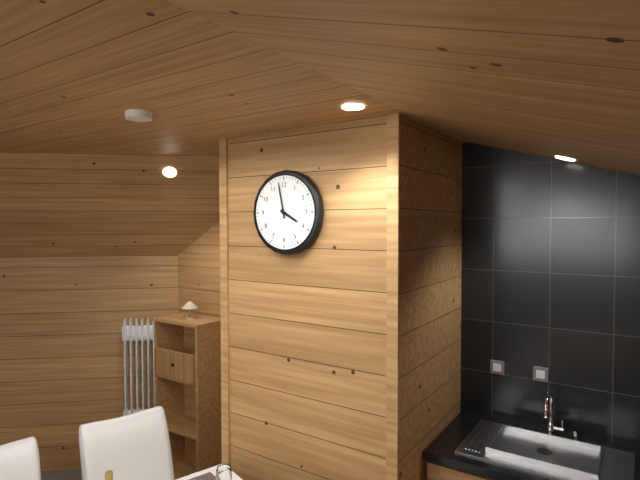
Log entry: {"hour": 3, "minute": 58}
